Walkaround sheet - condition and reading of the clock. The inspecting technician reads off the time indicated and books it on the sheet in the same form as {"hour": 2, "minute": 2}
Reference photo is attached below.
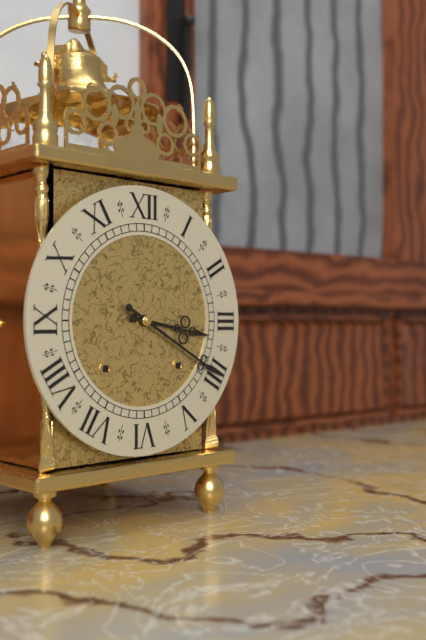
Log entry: {"hour": 3, "minute": 20}
